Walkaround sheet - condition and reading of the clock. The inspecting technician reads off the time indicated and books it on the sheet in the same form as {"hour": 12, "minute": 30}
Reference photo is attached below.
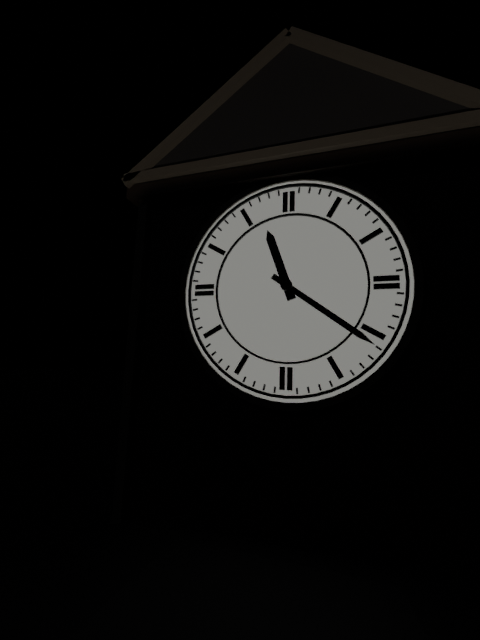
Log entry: {"hour": 11, "minute": 21}
